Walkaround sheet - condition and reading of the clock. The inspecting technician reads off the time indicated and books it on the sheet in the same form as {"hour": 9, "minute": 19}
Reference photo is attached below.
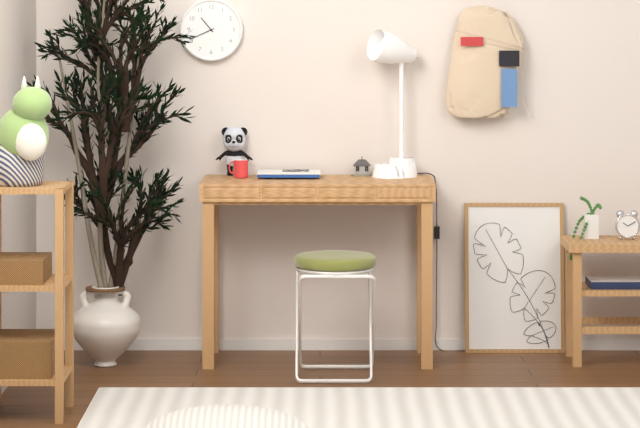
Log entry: {"hour": 10, "minute": 41}
